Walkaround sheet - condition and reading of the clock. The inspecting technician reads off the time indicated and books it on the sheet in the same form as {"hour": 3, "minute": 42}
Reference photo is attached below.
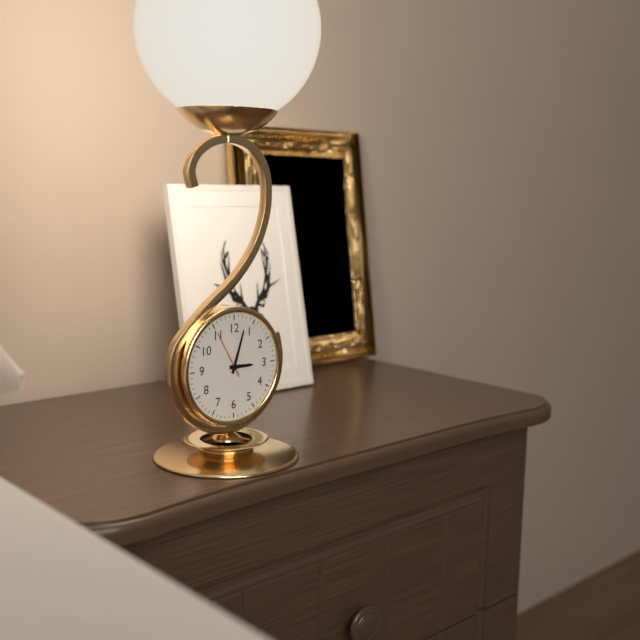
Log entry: {"hour": 3, "minute": 3}
